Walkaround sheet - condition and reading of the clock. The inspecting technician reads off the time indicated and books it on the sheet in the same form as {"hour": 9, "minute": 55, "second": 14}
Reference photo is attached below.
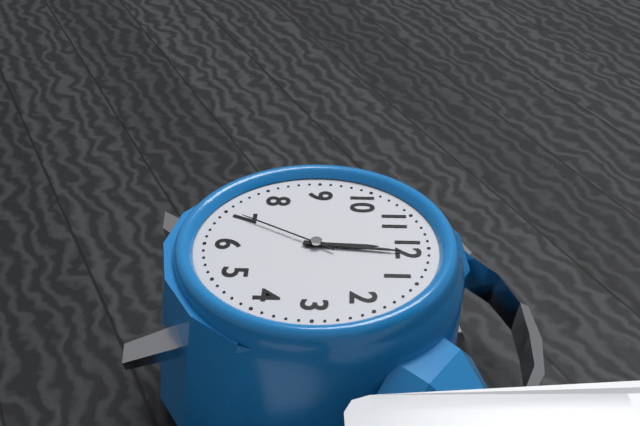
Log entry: {"hour": 12, "minute": 1, "second": 35}
